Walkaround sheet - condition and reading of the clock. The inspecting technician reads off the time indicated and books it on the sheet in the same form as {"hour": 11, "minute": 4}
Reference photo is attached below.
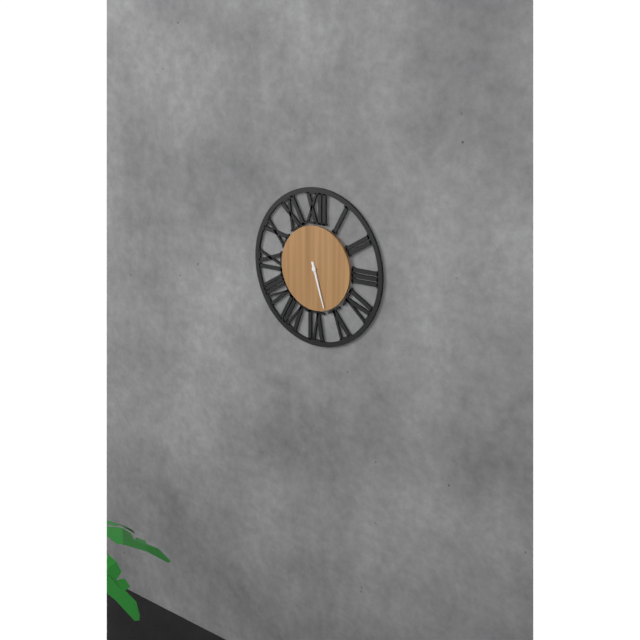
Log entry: {"hour": 5, "minute": 27}
